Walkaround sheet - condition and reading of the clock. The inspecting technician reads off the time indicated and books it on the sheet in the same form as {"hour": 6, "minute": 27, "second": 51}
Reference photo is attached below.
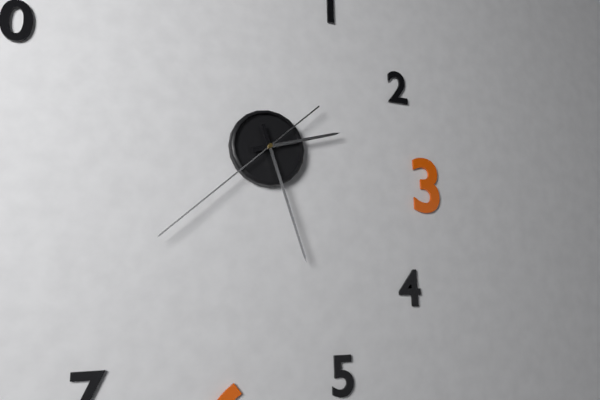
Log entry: {"hour": 2, "minute": 27, "second": 38}
